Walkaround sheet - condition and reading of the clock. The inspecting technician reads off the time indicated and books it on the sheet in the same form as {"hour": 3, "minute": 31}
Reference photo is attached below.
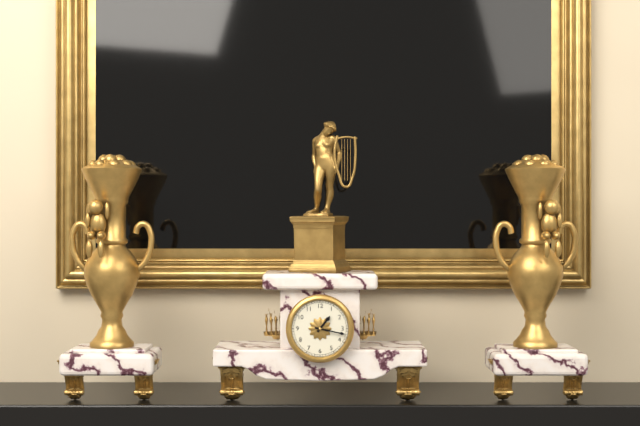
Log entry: {"hour": 1, "minute": 17}
